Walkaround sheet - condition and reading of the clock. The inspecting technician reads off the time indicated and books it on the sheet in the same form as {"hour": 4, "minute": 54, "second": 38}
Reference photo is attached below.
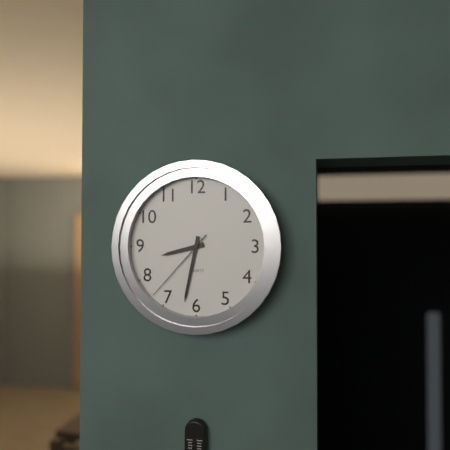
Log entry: {"hour": 8, "minute": 32, "second": 37}
